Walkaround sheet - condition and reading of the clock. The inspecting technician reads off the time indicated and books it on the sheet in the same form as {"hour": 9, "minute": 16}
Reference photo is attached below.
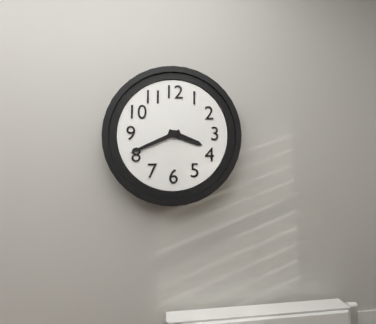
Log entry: {"hour": 3, "minute": 41}
